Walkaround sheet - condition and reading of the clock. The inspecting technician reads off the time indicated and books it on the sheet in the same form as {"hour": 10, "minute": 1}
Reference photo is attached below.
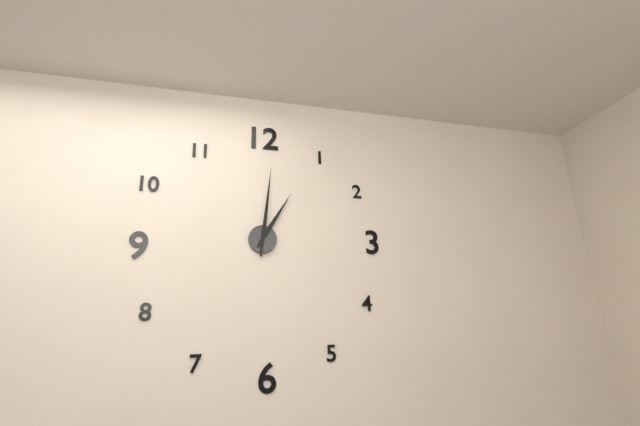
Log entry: {"hour": 1, "minute": 1}
